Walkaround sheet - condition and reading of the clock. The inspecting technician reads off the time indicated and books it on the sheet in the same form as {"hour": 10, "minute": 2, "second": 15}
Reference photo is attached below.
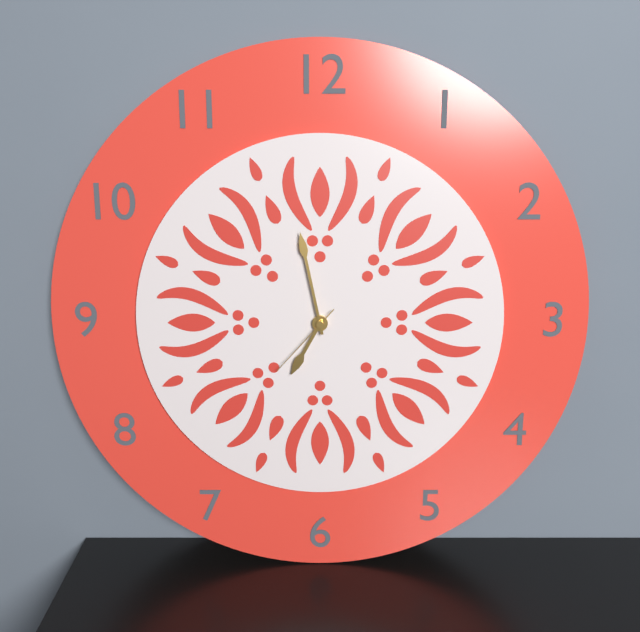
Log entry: {"hour": 6, "minute": 58, "second": 37}
